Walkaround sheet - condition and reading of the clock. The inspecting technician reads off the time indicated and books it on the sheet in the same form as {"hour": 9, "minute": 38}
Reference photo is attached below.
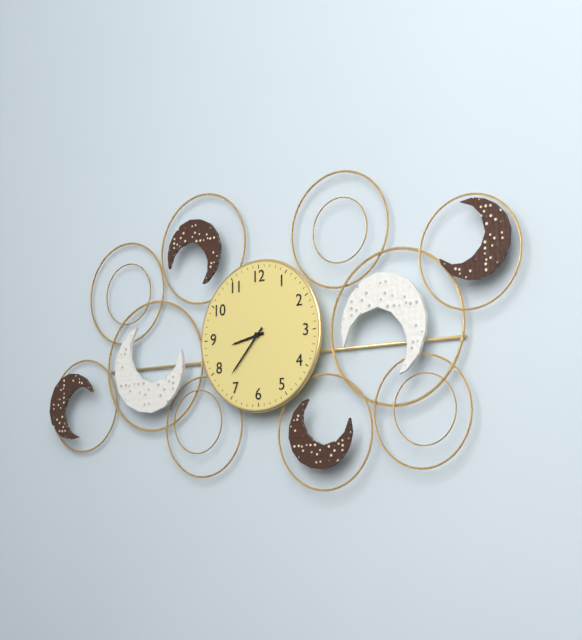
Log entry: {"hour": 8, "minute": 37}
